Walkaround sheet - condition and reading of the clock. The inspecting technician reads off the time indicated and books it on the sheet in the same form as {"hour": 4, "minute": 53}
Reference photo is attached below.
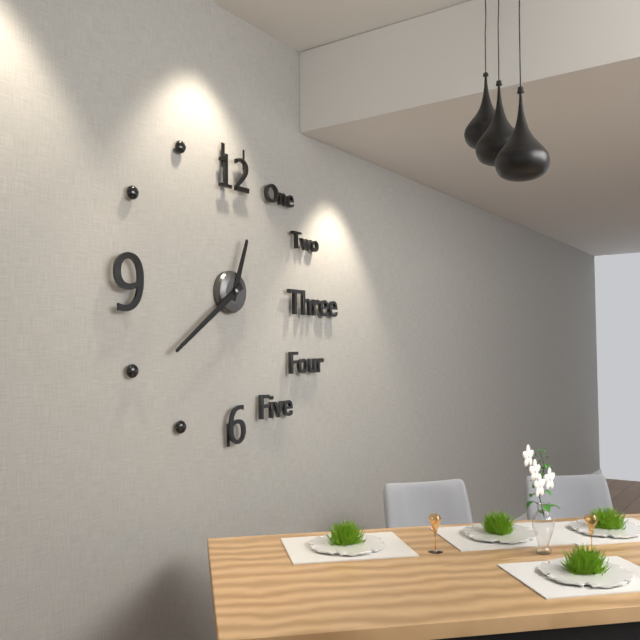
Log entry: {"hour": 12, "minute": 39}
